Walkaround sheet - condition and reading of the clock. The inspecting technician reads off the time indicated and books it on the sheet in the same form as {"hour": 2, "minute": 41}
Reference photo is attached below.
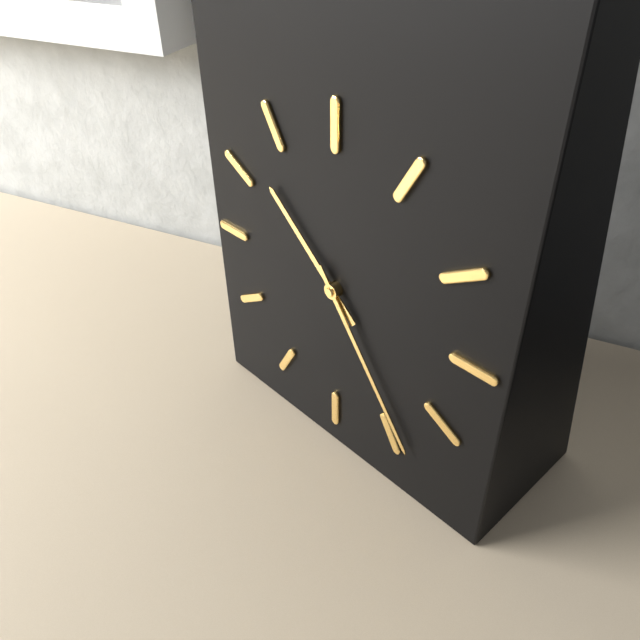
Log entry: {"hour": 10, "minute": 24}
